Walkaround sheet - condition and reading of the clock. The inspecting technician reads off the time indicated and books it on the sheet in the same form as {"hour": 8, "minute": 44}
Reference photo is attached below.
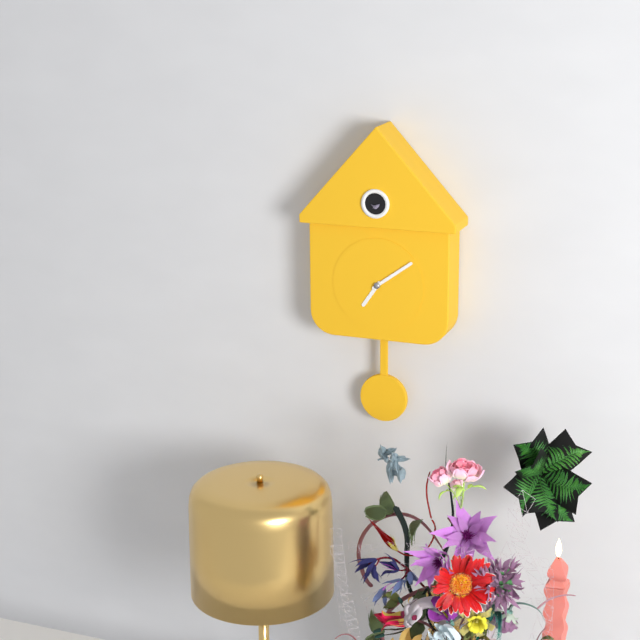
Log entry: {"hour": 7, "minute": 9}
